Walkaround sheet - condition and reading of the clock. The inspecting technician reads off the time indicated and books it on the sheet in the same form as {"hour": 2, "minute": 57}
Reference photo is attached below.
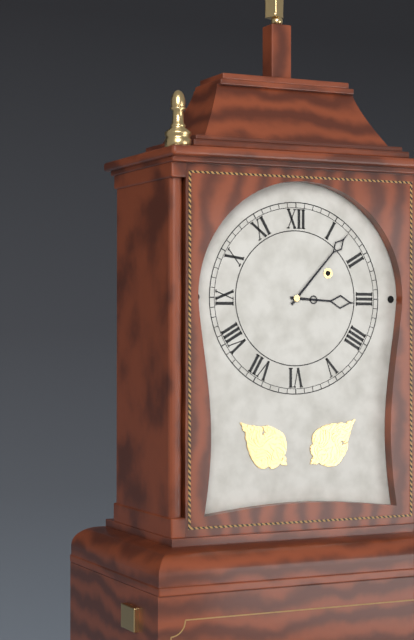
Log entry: {"hour": 3, "minute": 7}
